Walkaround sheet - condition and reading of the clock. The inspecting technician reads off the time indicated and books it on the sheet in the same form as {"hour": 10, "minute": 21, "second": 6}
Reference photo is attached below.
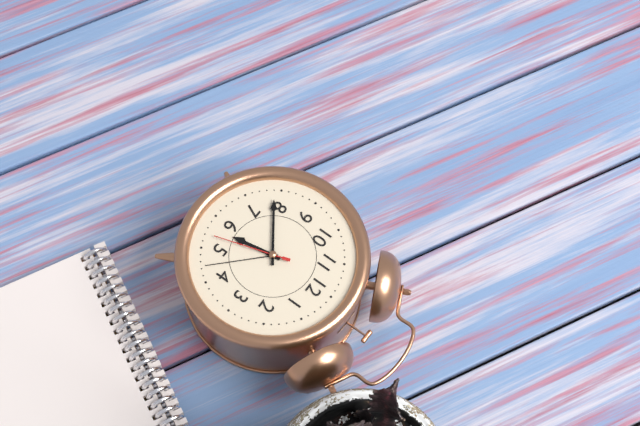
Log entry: {"hour": 5, "minute": 39, "second": 27}
